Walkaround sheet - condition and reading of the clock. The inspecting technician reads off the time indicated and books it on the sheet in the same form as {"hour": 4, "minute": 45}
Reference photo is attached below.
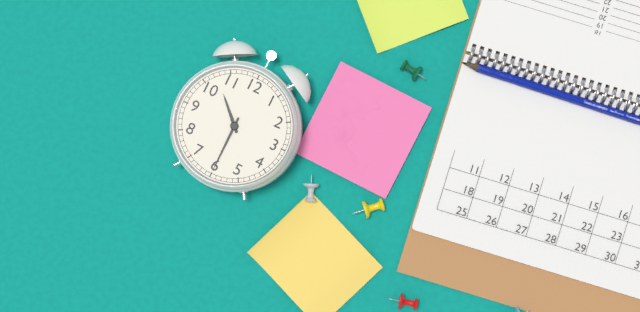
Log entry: {"hour": 10, "minute": 30}
